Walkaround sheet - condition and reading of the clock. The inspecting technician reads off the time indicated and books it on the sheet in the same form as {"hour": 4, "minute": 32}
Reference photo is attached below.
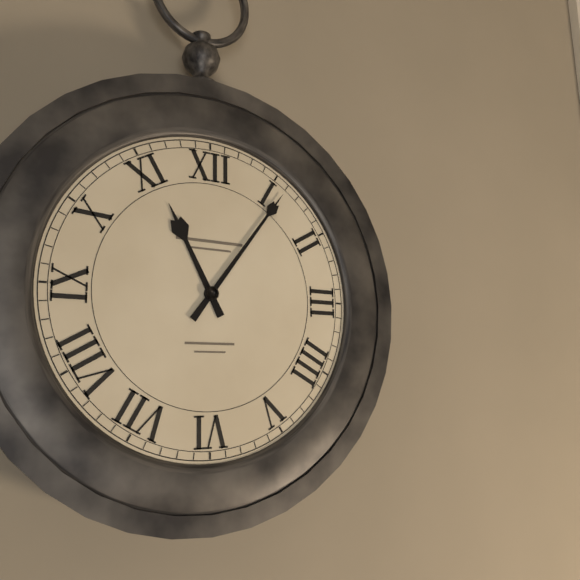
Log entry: {"hour": 11, "minute": 6}
